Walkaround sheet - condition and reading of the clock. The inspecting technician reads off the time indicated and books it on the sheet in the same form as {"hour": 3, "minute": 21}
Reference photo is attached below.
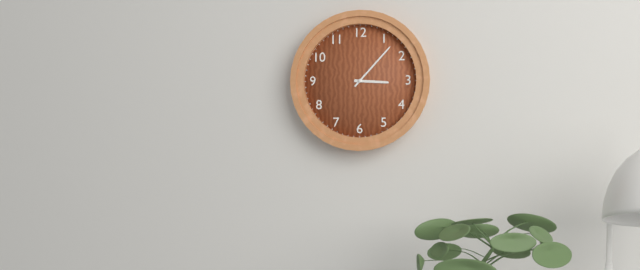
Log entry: {"hour": 3, "minute": 7}
